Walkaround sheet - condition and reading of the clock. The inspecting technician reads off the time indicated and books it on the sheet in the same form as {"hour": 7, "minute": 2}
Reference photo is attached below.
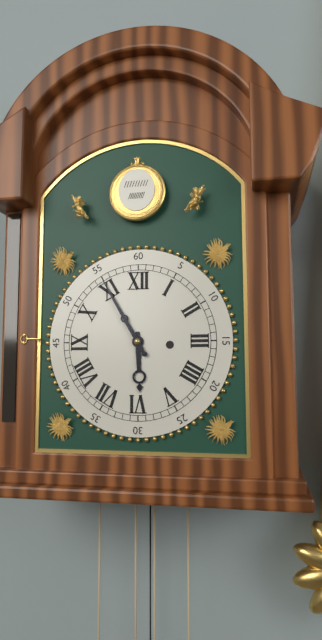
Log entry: {"hour": 5, "minute": 55}
